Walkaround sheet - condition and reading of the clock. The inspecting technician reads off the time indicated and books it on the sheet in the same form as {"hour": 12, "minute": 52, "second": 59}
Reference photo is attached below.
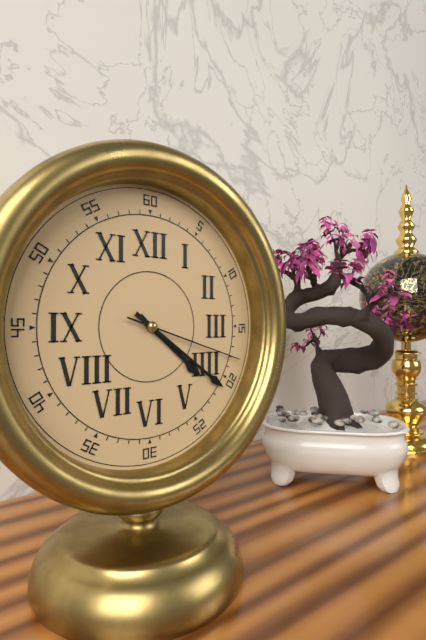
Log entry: {"hour": 4, "minute": 21, "second": 18}
